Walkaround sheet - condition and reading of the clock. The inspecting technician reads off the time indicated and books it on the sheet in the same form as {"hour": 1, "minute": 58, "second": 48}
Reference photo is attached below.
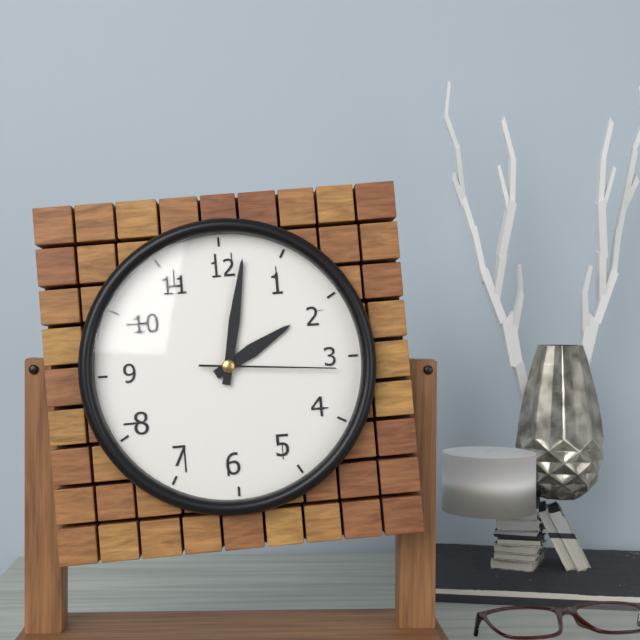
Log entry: {"hour": 2, "minute": 2, "second": 16}
